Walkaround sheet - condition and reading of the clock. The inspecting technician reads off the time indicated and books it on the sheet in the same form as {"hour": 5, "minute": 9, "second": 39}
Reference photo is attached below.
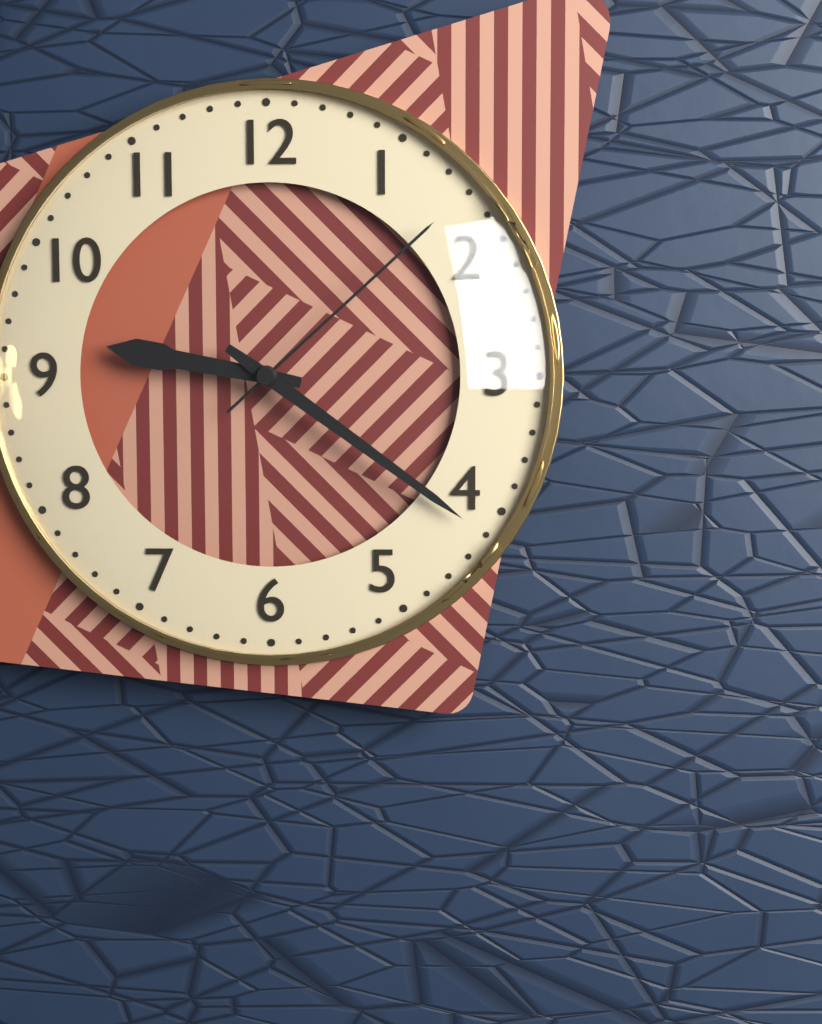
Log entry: {"hour": 9, "minute": 21, "second": 8}
